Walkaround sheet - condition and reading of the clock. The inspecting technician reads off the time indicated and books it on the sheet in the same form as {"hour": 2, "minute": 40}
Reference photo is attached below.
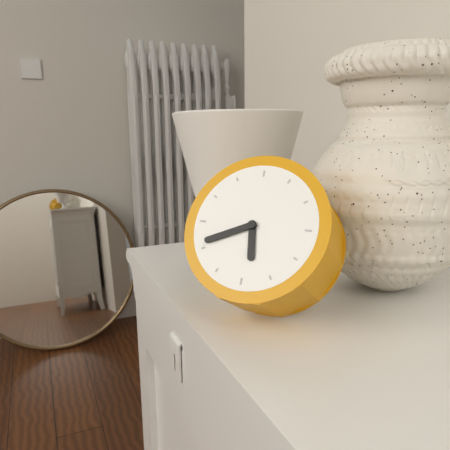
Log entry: {"hour": 5, "minute": 41}
